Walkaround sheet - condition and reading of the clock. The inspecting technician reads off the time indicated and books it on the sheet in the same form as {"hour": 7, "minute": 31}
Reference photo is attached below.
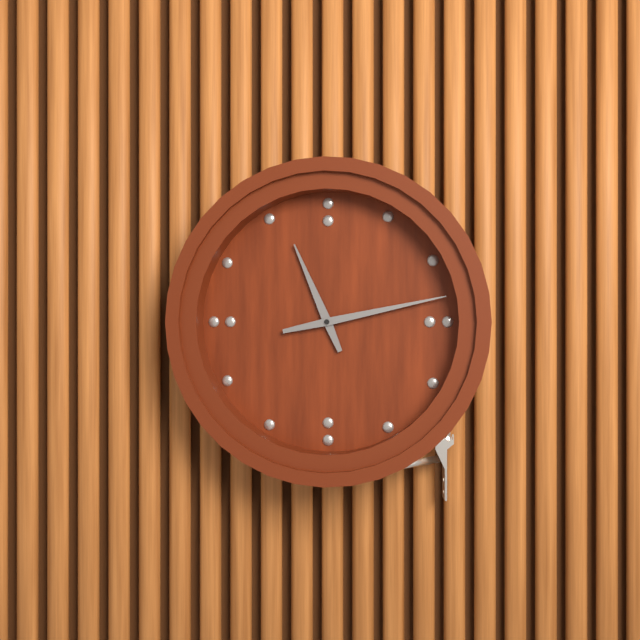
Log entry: {"hour": 11, "minute": 13}
